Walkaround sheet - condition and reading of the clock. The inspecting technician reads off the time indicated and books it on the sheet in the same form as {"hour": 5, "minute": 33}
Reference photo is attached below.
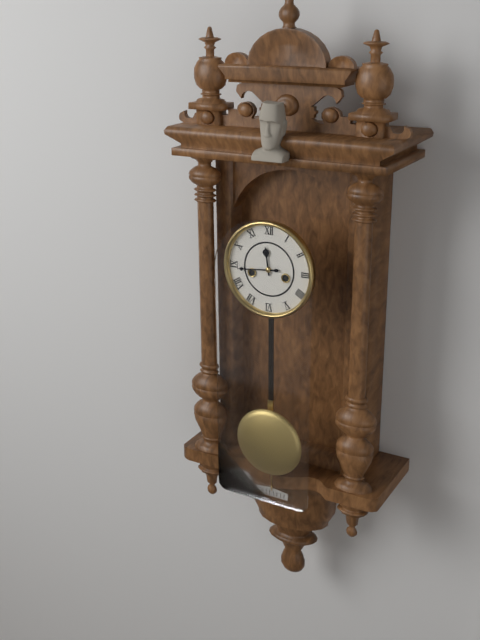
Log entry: {"hour": 11, "minute": 44}
